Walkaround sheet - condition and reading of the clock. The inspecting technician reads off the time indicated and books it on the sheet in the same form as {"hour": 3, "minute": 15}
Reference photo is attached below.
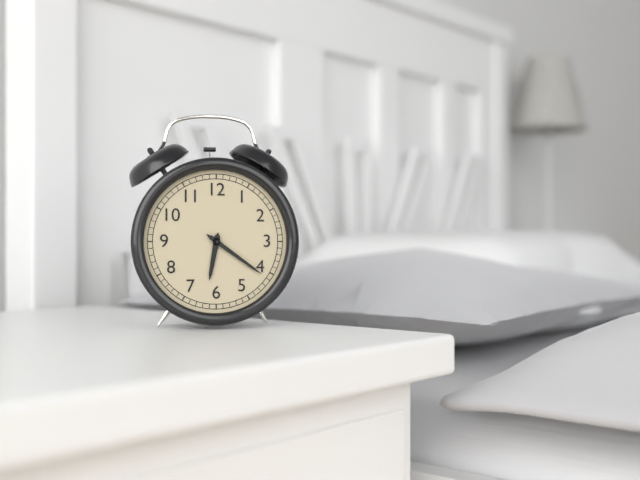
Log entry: {"hour": 6, "minute": 21}
